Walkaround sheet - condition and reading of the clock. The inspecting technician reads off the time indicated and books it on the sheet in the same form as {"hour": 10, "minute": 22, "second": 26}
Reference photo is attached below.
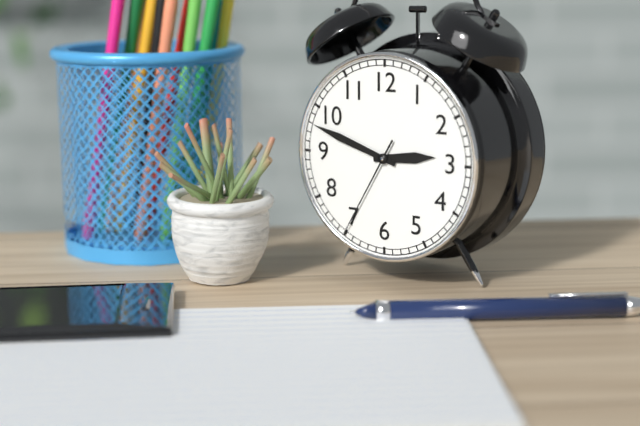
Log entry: {"hour": 2, "minute": 48, "second": 35}
